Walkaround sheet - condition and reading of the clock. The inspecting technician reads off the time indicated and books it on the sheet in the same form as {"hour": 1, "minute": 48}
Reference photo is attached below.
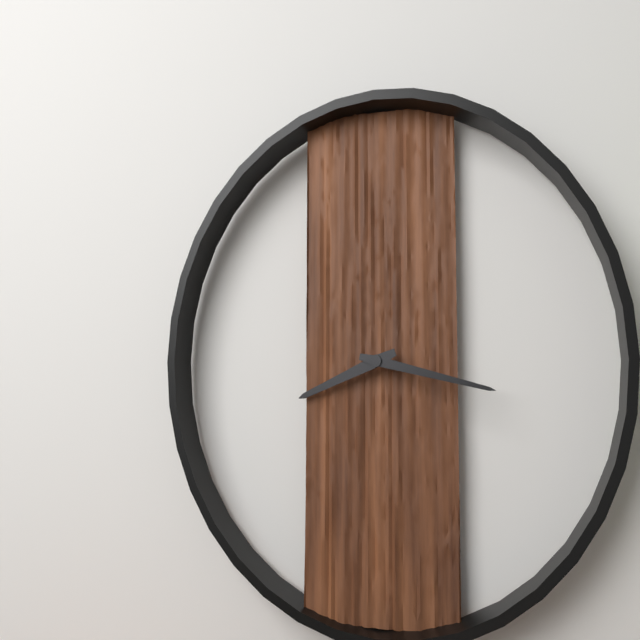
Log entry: {"hour": 8, "minute": 17}
